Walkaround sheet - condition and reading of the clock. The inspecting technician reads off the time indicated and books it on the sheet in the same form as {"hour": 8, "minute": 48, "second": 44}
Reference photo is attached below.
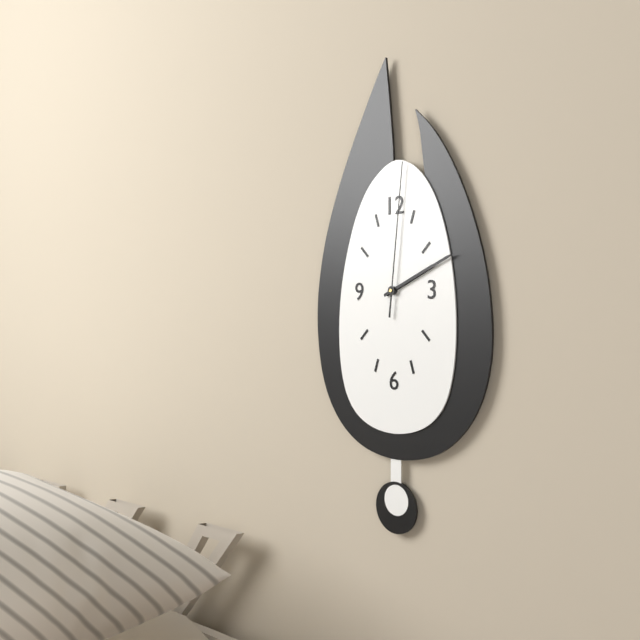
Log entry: {"hour": 2, "minute": 11, "second": 1}
